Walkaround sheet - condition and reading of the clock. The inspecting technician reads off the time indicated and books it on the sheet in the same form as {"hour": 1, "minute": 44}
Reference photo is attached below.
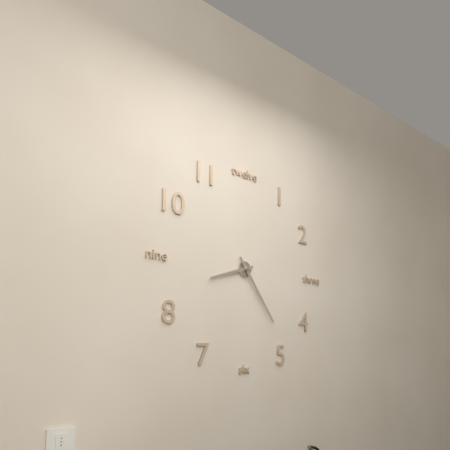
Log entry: {"hour": 8, "minute": 24}
